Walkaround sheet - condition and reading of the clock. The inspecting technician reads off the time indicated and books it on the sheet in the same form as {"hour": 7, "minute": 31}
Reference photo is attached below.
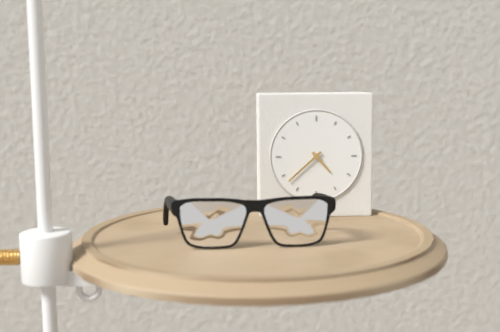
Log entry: {"hour": 4, "minute": 38}
